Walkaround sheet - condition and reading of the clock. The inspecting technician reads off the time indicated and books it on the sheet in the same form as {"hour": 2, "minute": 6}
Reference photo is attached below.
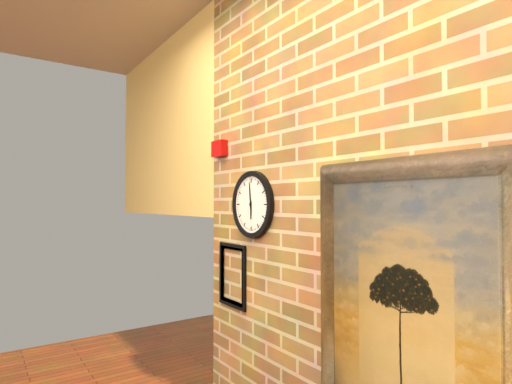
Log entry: {"hour": 5, "minute": 59}
